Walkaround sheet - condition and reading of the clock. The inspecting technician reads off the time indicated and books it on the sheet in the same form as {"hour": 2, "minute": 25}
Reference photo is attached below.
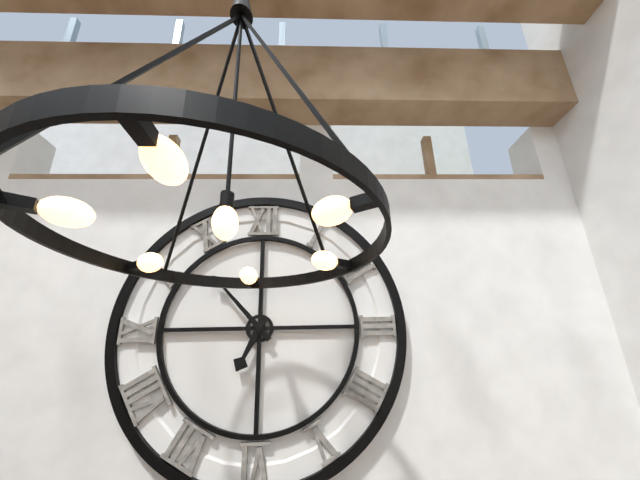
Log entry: {"hour": 6, "minute": 53}
